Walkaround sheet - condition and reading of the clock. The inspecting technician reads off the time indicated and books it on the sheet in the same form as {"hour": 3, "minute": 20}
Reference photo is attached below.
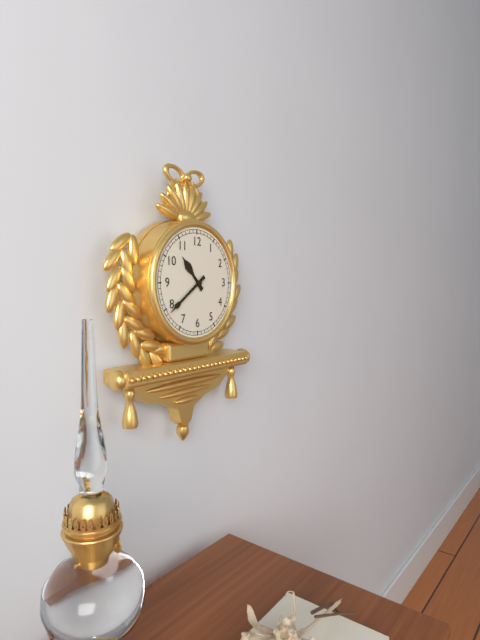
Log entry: {"hour": 10, "minute": 39}
